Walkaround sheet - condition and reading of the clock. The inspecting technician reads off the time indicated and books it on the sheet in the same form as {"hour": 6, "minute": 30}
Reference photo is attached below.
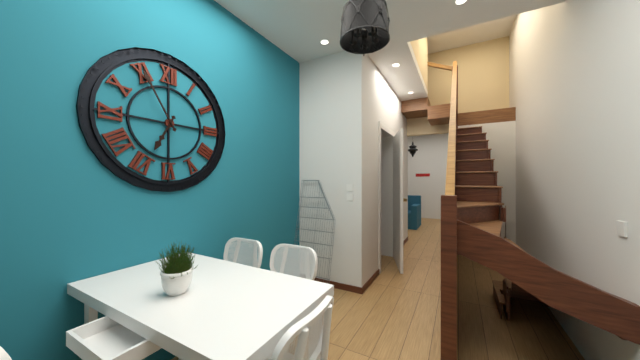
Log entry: {"hour": 6, "minute": 55}
